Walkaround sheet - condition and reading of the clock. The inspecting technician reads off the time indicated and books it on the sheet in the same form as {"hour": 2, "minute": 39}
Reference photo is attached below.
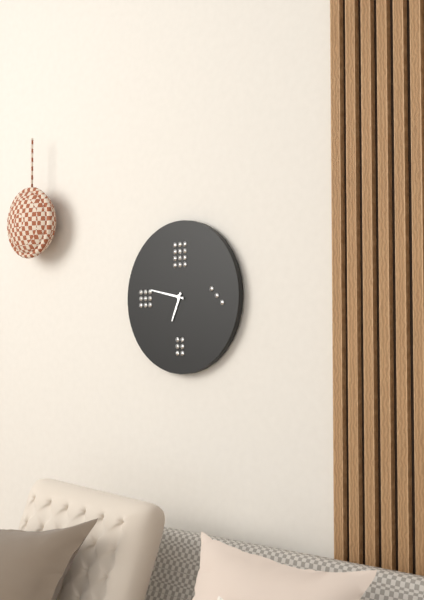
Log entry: {"hour": 6, "minute": 47}
